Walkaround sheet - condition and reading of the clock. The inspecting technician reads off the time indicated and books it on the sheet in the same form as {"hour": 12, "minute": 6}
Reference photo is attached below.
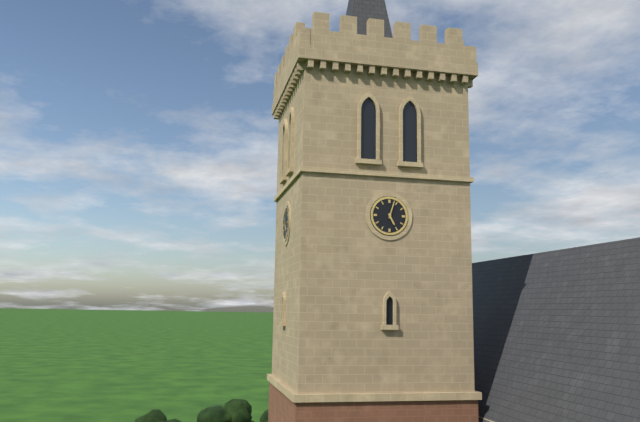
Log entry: {"hour": 5, "minute": 3}
